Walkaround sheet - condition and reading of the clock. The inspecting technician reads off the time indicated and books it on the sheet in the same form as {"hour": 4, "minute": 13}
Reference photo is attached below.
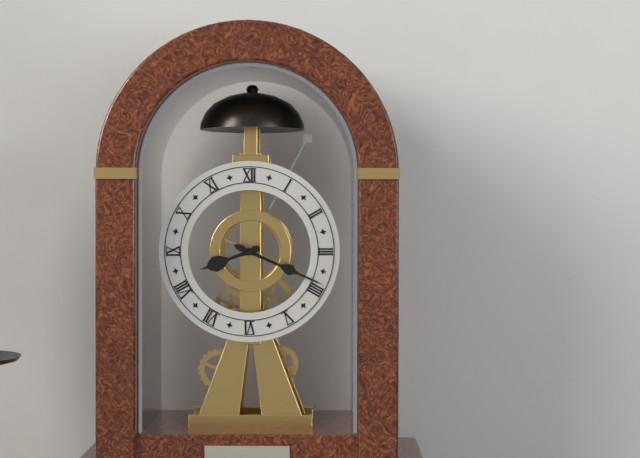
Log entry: {"hour": 8, "minute": 19}
